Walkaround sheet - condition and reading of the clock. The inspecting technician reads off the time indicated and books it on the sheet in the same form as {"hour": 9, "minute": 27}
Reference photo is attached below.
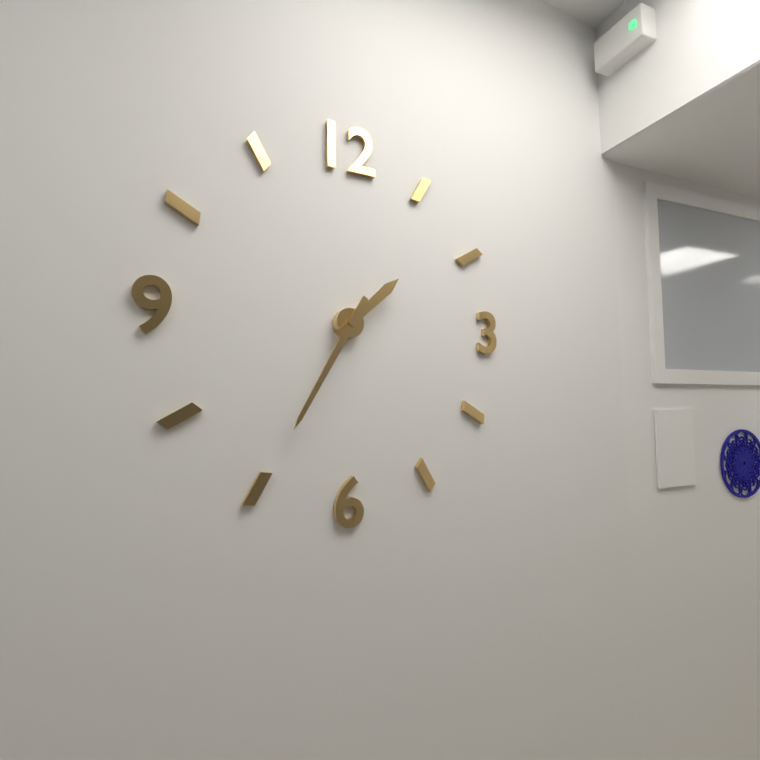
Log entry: {"hour": 1, "minute": 35}
